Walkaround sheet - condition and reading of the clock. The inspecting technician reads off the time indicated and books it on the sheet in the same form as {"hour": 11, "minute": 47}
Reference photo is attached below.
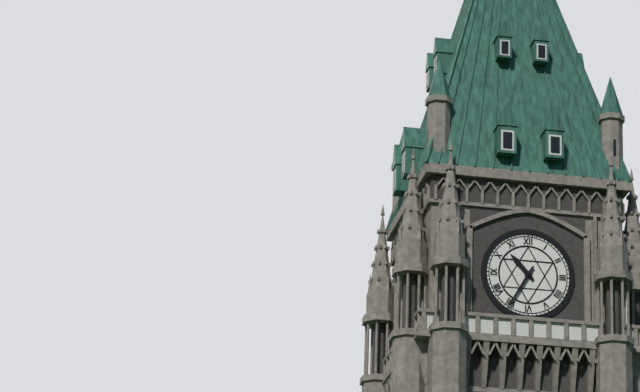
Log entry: {"hour": 10, "minute": 35}
